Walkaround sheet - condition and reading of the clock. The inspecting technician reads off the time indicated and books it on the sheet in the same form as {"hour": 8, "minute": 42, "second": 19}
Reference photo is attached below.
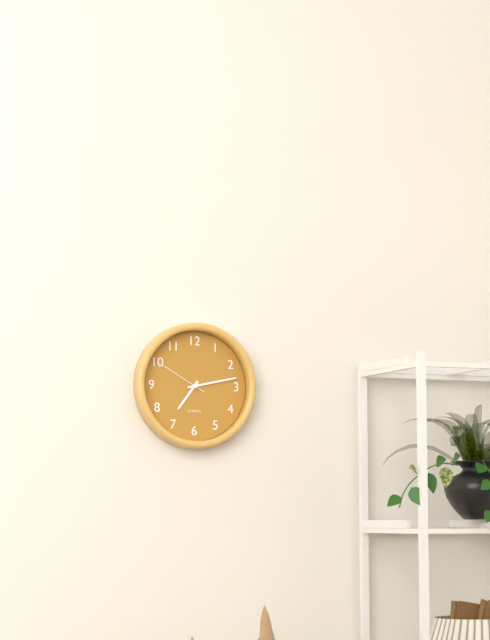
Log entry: {"hour": 7, "minute": 13, "second": 50}
